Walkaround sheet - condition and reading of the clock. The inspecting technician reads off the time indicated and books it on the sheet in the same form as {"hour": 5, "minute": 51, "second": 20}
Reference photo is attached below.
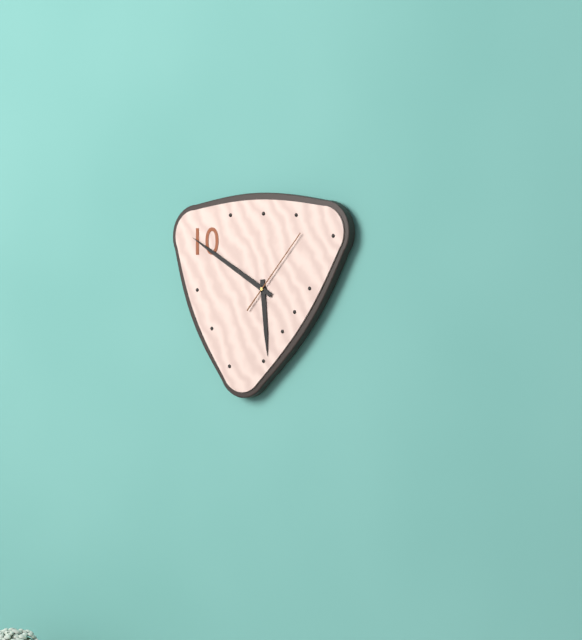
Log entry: {"hour": 5, "minute": 50, "second": 7}
